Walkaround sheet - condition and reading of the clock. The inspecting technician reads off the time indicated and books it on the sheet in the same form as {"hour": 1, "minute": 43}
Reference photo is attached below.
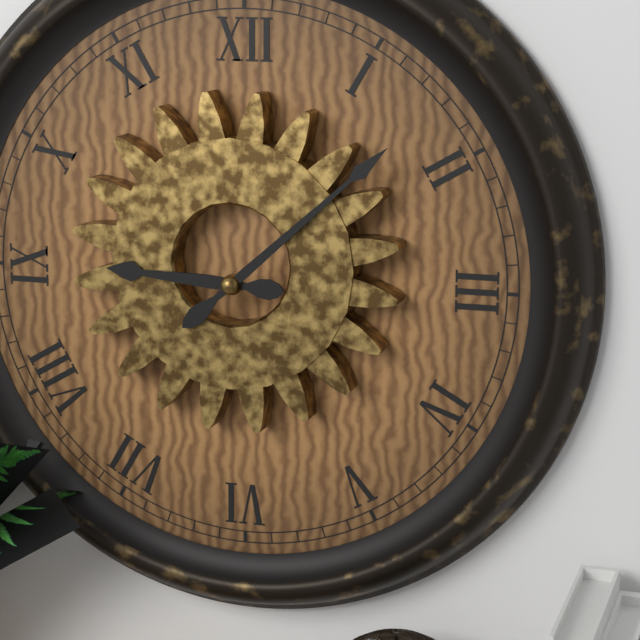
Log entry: {"hour": 9, "minute": 8}
